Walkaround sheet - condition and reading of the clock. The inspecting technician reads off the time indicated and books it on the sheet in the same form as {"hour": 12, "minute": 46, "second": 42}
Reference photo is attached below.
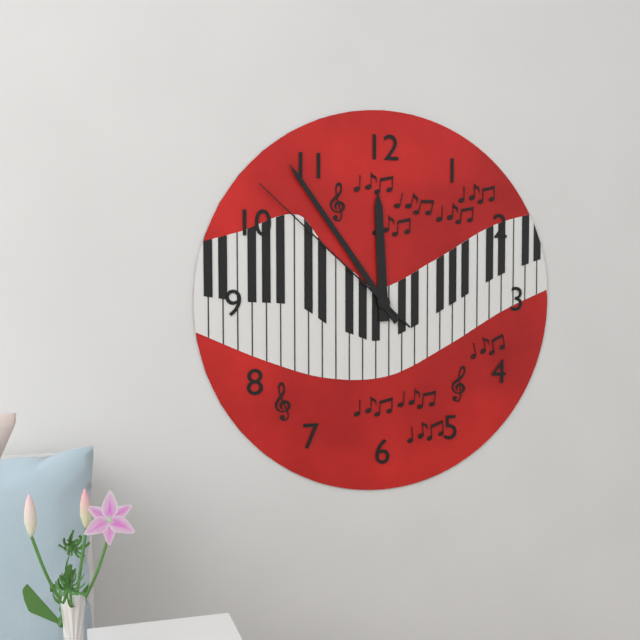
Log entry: {"hour": 11, "minute": 54, "second": 52}
